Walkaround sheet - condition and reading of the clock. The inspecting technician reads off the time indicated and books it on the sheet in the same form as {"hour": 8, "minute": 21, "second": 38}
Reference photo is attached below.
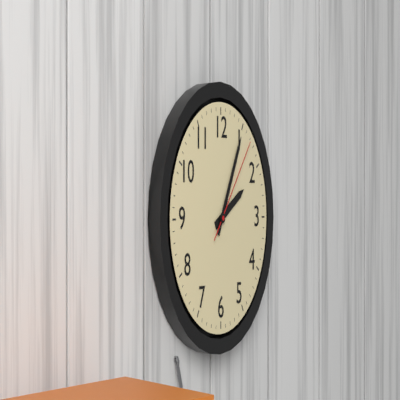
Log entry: {"hour": 2, "minute": 5, "second": 7}
